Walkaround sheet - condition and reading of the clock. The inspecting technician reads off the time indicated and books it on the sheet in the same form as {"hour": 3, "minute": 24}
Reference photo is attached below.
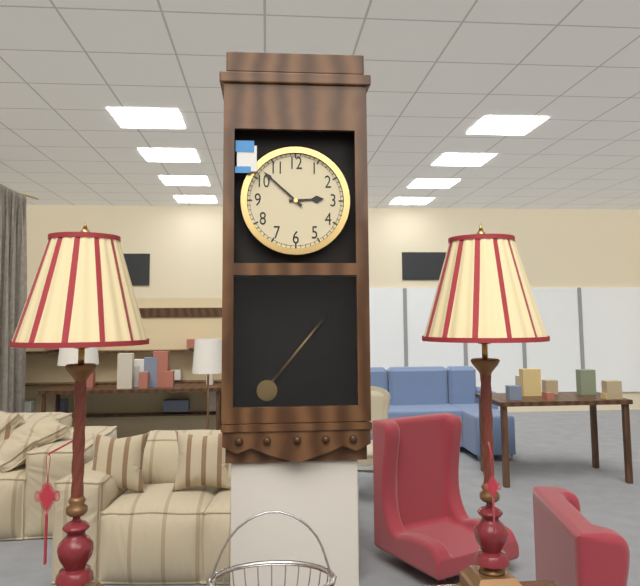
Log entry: {"hour": 2, "minute": 52}
